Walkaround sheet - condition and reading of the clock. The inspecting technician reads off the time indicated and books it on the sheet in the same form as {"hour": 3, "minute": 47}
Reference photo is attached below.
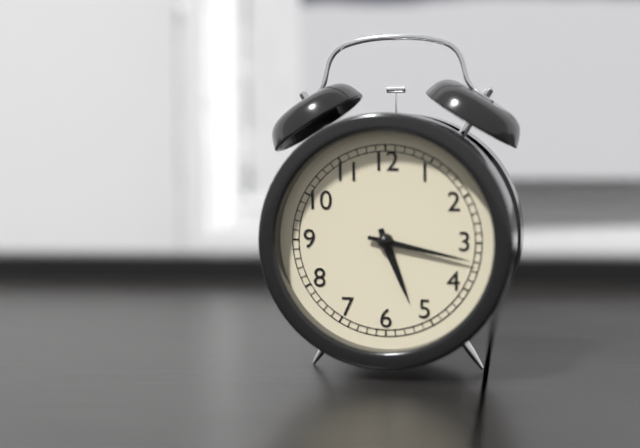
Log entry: {"hour": 5, "minute": 17}
